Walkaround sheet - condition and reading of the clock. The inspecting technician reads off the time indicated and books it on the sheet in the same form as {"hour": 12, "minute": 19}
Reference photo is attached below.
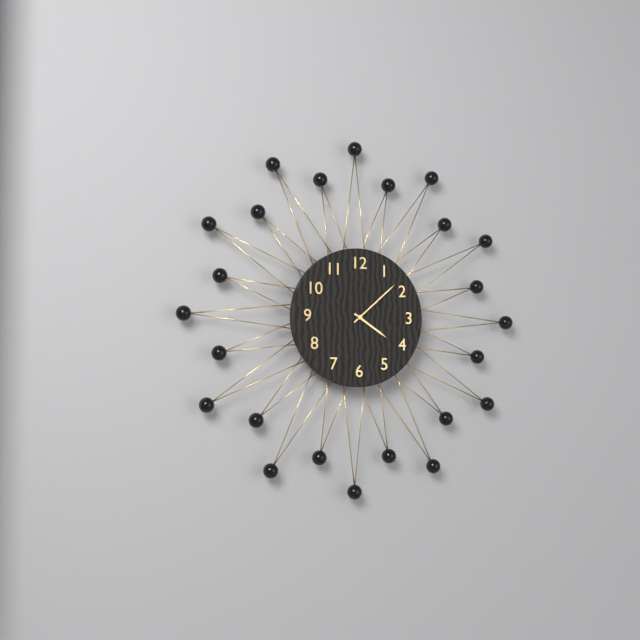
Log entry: {"hour": 4, "minute": 8}
